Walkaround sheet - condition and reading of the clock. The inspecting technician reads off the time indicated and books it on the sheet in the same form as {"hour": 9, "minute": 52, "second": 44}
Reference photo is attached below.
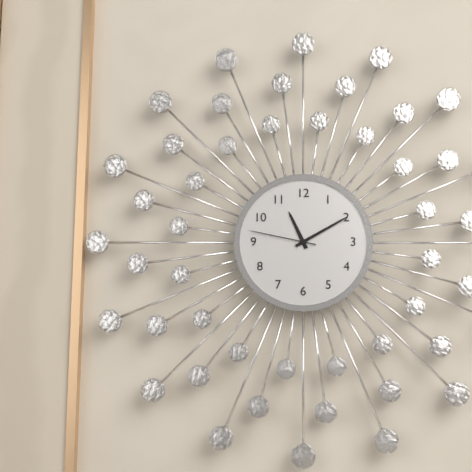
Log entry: {"hour": 11, "minute": 10, "second": 47}
